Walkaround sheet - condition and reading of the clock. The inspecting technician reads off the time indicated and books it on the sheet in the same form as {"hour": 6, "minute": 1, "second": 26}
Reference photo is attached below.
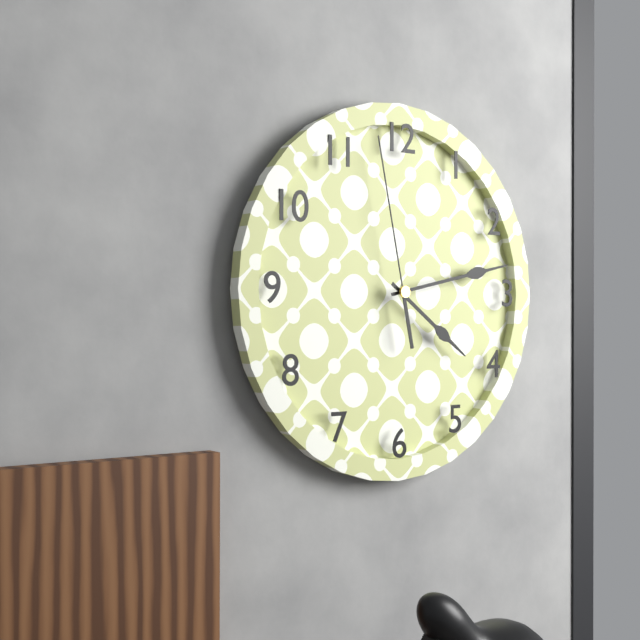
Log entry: {"hour": 4, "minute": 13, "second": 58}
